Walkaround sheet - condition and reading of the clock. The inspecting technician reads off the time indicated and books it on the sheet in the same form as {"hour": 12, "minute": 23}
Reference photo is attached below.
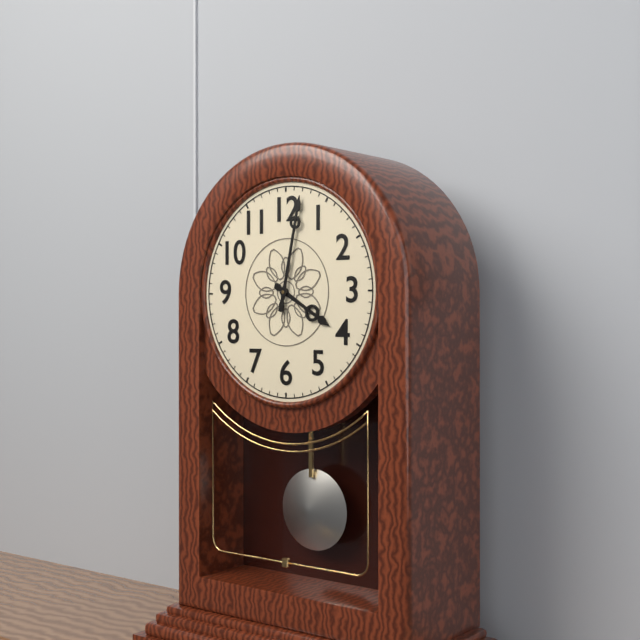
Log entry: {"hour": 4, "minute": 2}
